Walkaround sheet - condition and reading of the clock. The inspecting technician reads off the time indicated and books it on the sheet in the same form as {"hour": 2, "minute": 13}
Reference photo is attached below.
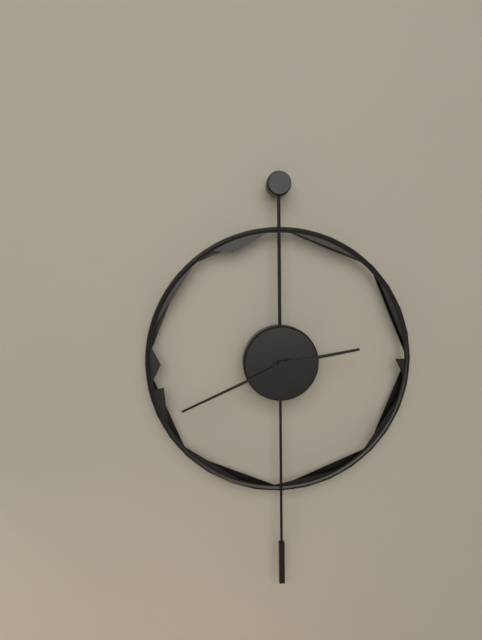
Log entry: {"hour": 2, "minute": 41}
